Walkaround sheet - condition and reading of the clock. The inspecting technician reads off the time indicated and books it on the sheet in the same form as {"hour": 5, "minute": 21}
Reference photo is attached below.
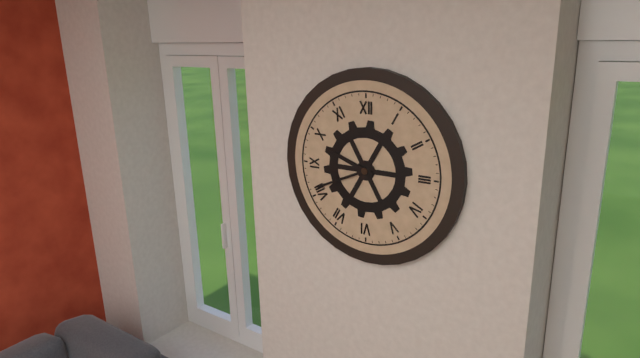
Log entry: {"hour": 9, "minute": 41}
